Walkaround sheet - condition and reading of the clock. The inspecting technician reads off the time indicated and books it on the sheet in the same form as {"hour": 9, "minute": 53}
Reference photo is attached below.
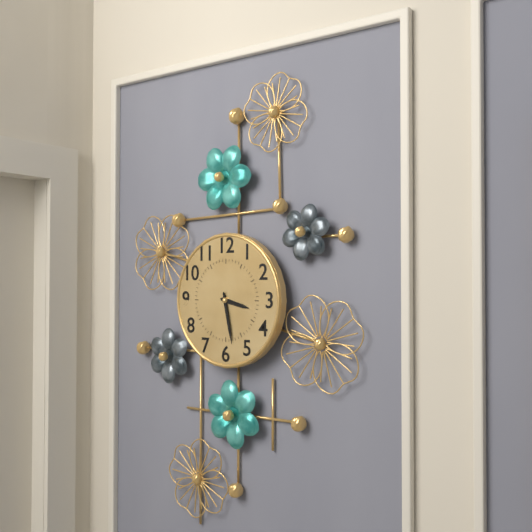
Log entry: {"hour": 3, "minute": 28}
